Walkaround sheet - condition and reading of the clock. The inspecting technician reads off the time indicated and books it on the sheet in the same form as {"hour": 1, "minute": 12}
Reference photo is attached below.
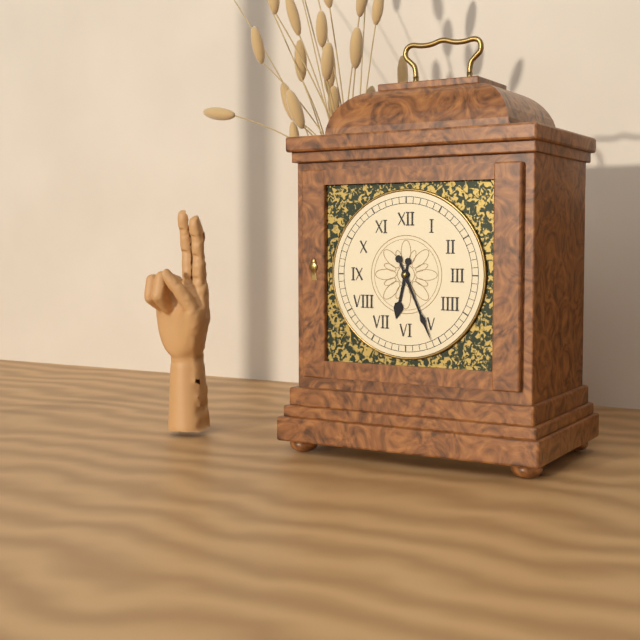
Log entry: {"hour": 6, "minute": 26}
